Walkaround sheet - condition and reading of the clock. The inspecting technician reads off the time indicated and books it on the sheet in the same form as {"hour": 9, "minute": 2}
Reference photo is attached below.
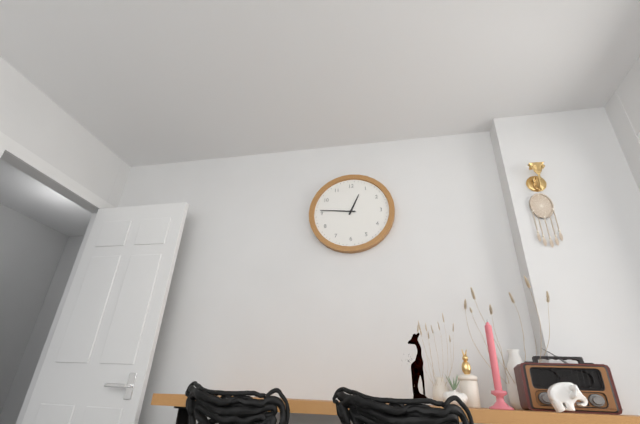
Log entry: {"hour": 12, "minute": 46}
